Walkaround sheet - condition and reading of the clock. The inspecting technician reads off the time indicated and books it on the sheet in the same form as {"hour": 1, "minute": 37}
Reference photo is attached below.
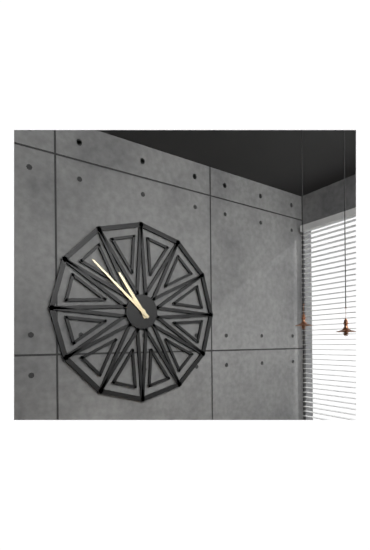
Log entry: {"hour": 10, "minute": 52}
